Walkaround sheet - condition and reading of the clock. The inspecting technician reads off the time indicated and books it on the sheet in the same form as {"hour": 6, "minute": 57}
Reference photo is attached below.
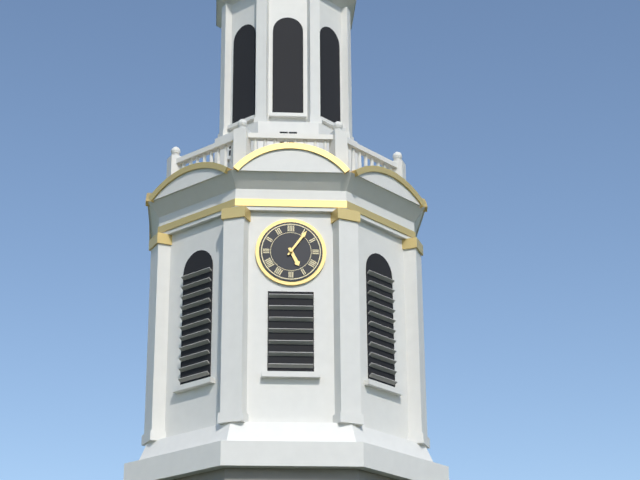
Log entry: {"hour": 5, "minute": 6}
